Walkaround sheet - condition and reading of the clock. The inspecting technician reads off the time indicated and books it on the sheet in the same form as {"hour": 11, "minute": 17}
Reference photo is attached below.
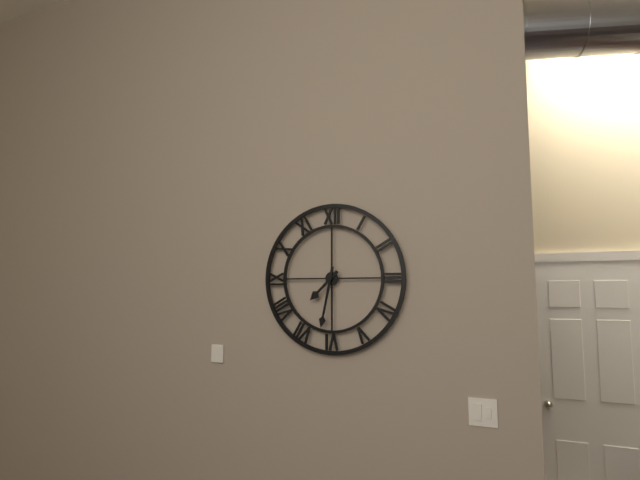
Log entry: {"hour": 7, "minute": 32}
